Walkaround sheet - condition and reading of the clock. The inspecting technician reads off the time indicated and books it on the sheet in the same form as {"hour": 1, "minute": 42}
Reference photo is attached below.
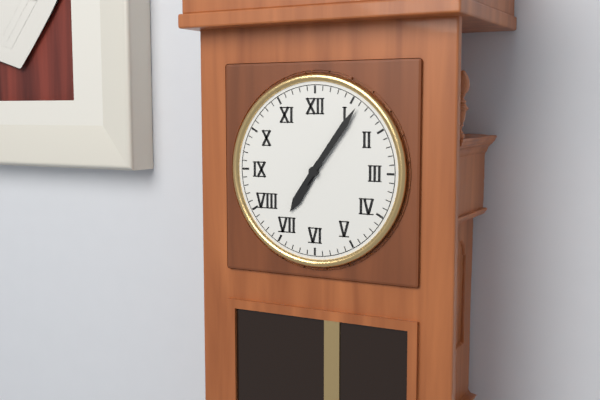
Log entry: {"hour": 7, "minute": 6}
